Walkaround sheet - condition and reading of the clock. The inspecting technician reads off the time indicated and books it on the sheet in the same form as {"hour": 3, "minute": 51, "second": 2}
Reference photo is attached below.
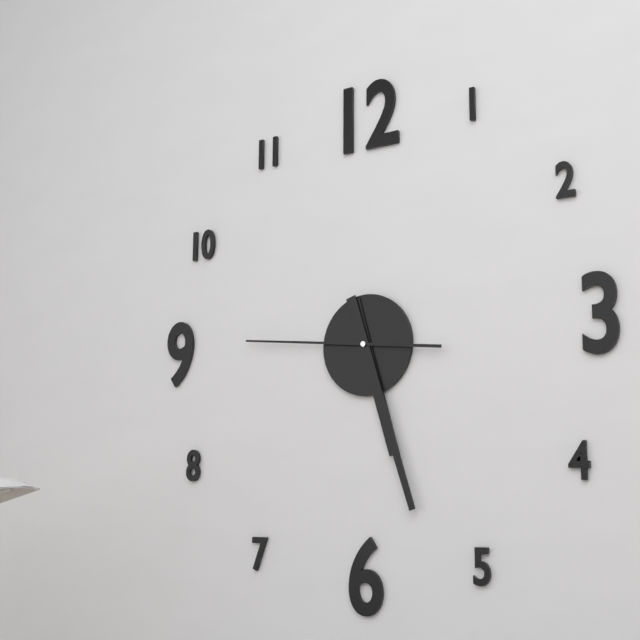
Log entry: {"hour": 5, "minute": 27, "second": 46}
